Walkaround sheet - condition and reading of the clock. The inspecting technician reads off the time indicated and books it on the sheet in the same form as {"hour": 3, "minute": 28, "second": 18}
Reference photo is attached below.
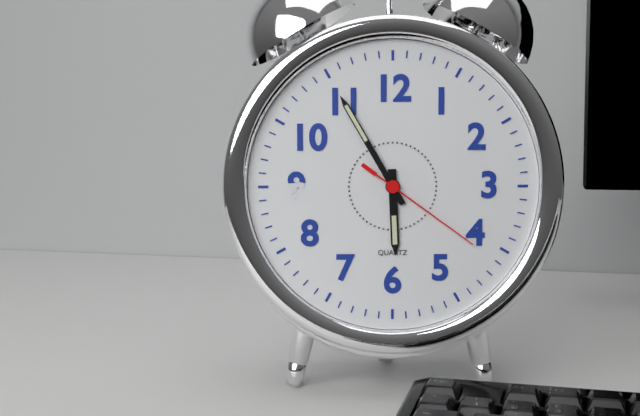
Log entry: {"hour": 5, "minute": 55, "second": 21}
